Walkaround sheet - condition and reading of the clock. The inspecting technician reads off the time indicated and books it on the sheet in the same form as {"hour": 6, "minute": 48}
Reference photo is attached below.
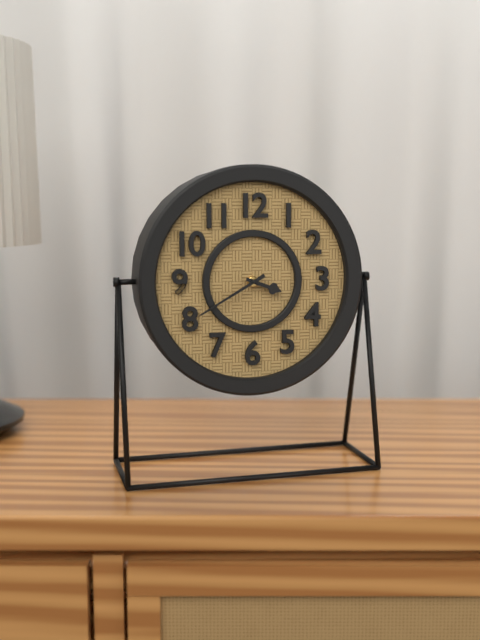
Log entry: {"hour": 3, "minute": 40}
